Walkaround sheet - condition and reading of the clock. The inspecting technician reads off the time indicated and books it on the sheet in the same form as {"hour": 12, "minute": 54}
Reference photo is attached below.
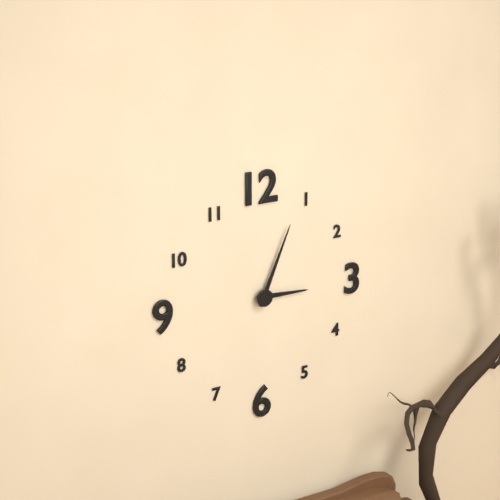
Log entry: {"hour": 3, "minute": 4}
